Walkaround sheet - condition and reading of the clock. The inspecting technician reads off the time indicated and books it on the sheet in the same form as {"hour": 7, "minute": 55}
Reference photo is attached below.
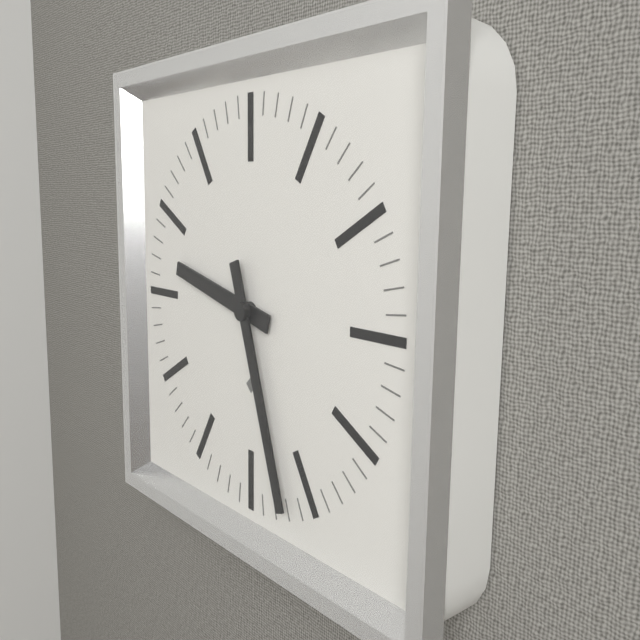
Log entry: {"hour": 9, "minute": 27}
